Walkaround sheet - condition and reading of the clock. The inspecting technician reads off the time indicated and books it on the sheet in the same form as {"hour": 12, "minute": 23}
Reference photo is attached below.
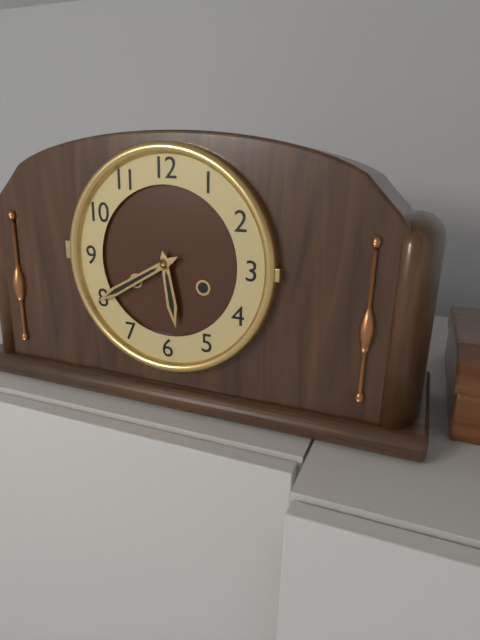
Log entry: {"hour": 5, "minute": 40}
